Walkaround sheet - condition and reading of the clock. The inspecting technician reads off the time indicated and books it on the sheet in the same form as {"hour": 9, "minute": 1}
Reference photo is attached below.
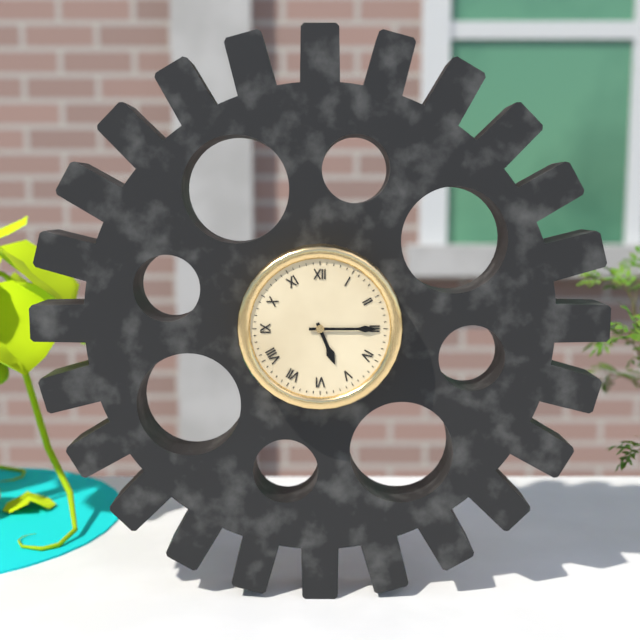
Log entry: {"hour": 5, "minute": 15}
